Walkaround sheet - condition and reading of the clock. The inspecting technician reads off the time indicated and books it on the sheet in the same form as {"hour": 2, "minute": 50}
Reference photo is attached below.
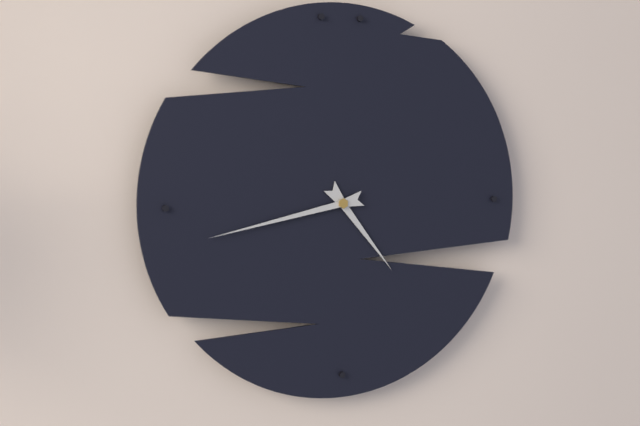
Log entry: {"hour": 4, "minute": 43}
